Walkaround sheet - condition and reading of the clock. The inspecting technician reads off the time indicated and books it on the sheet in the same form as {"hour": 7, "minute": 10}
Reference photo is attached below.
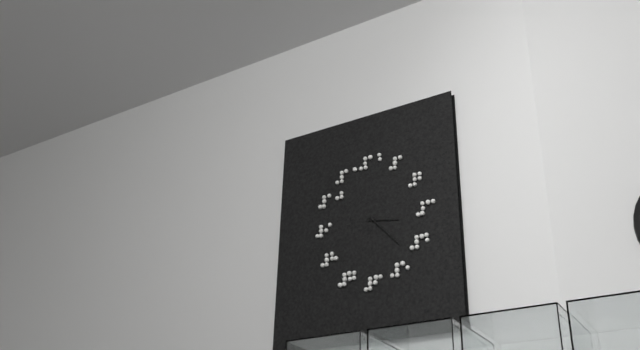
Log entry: {"hour": 3, "minute": 23}
